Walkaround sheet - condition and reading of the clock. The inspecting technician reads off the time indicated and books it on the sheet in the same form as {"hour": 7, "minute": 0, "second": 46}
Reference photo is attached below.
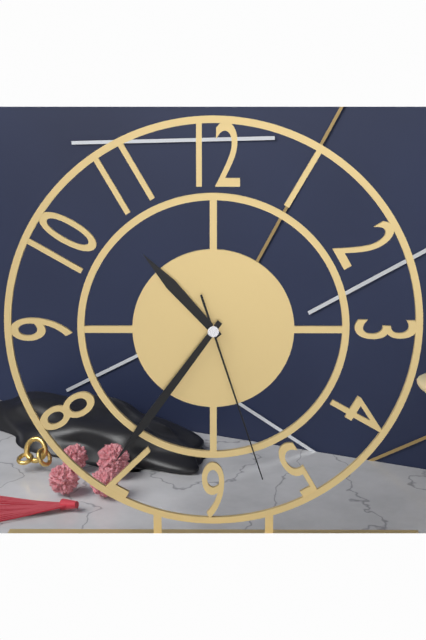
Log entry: {"hour": 10, "minute": 36, "second": 27}
